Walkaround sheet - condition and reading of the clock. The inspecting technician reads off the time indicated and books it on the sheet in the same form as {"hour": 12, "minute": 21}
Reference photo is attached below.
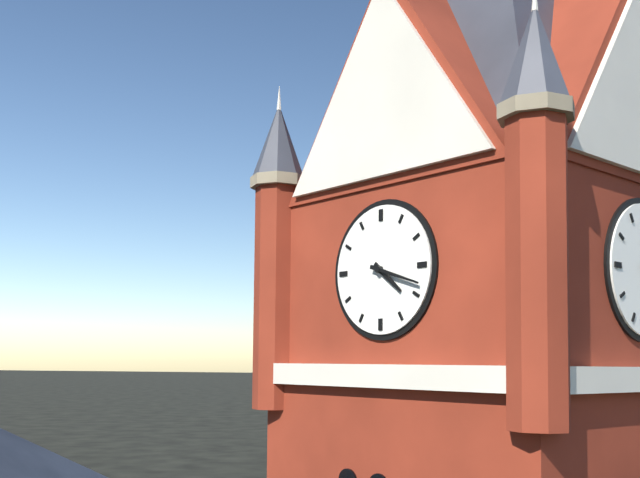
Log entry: {"hour": 4, "minute": 18}
